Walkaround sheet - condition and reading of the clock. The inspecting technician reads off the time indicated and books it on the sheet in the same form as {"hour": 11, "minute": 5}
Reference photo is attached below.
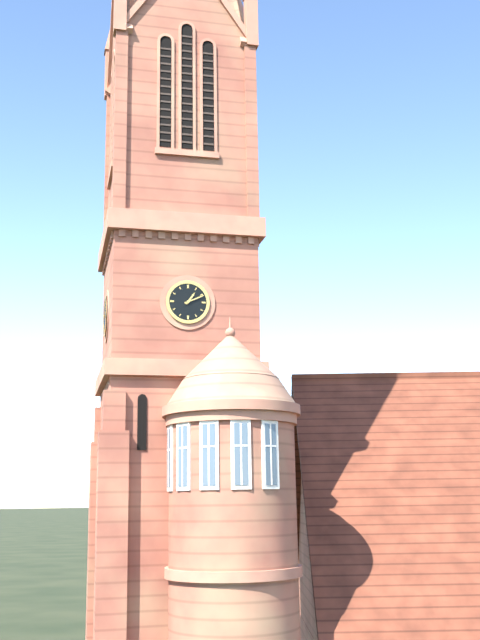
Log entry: {"hour": 1, "minute": 11}
